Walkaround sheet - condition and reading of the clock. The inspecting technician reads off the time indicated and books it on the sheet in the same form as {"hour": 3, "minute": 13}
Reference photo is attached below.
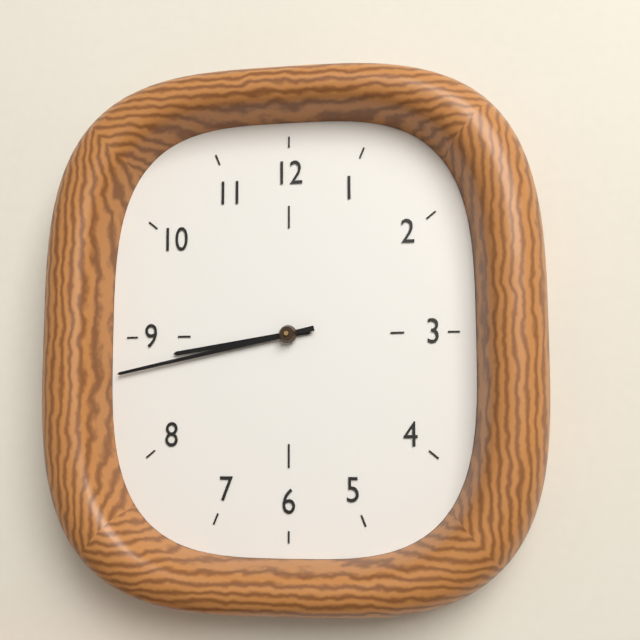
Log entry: {"hour": 8, "minute": 43}
